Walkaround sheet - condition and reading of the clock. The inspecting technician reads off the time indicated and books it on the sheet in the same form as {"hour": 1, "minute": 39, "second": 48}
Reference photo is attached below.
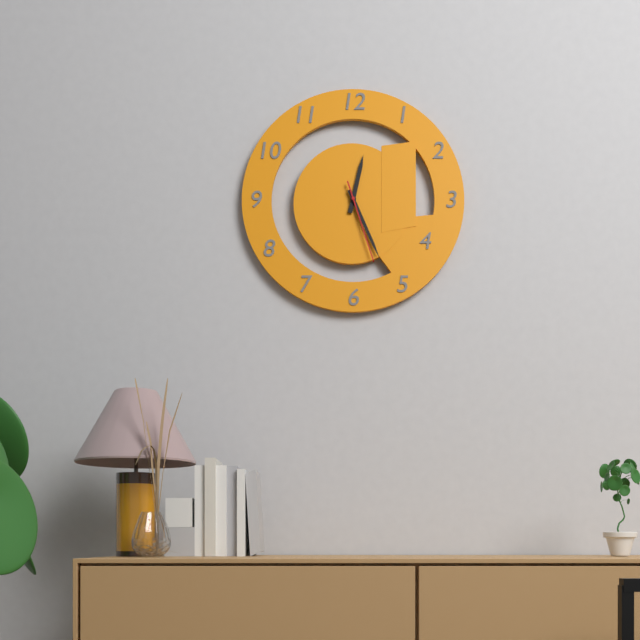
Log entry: {"hour": 12, "minute": 26, "second": 27}
